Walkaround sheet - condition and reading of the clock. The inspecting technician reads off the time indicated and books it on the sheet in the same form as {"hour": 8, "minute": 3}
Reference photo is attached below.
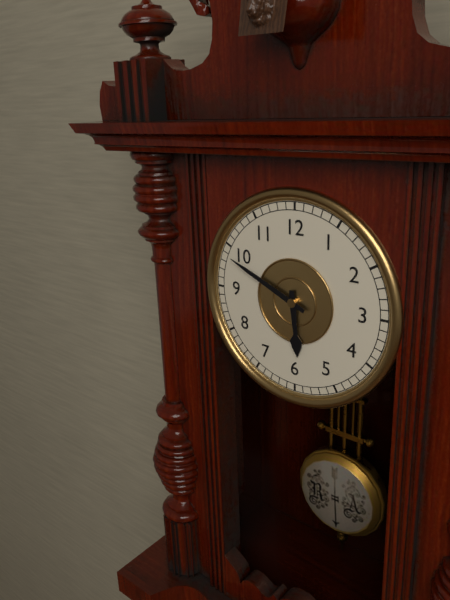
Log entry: {"hour": 5, "minute": 49}
